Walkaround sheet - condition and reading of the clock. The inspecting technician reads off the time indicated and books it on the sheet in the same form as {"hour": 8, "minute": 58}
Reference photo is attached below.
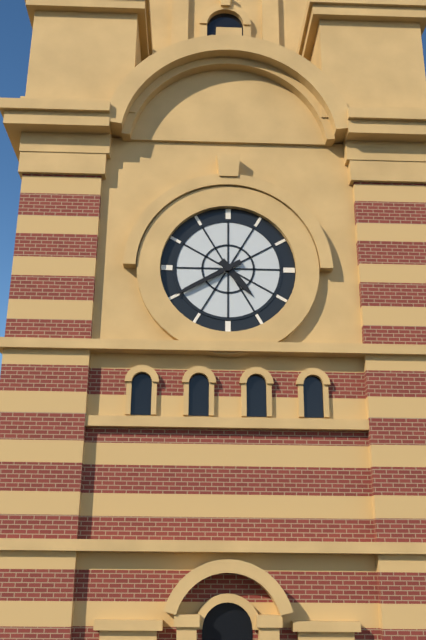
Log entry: {"hour": 4, "minute": 40}
